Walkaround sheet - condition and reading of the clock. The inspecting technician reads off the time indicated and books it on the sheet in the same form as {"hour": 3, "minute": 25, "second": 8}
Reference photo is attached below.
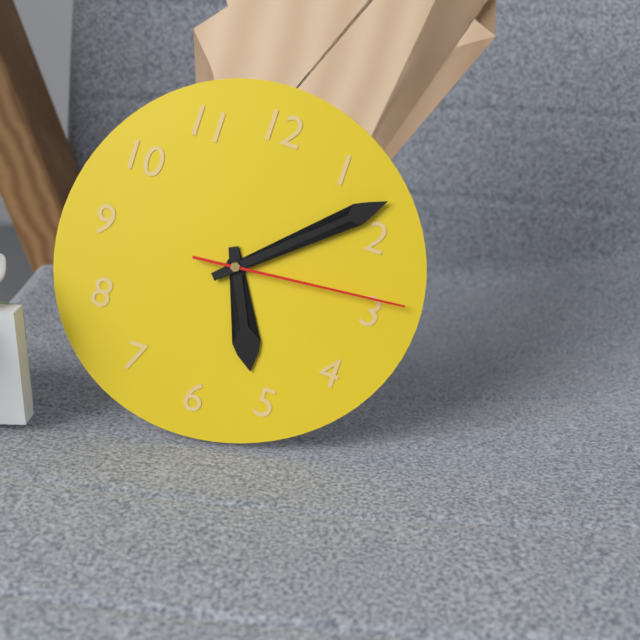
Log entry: {"hour": 5, "minute": 8, "second": 14}
